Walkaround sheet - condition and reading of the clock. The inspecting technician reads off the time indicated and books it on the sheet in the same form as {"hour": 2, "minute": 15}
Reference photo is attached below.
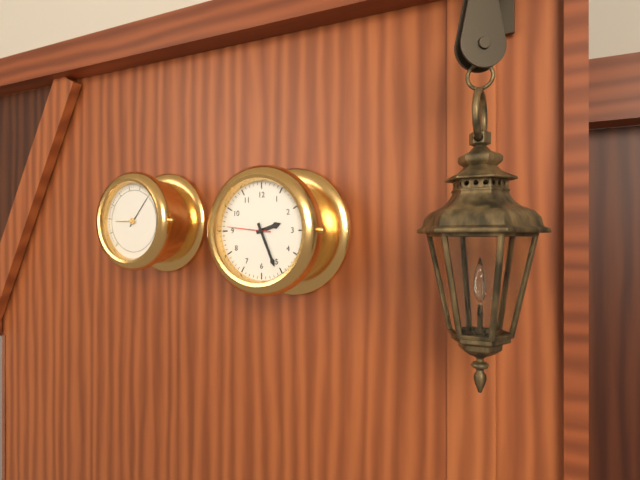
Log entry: {"hour": 2, "minute": 26}
